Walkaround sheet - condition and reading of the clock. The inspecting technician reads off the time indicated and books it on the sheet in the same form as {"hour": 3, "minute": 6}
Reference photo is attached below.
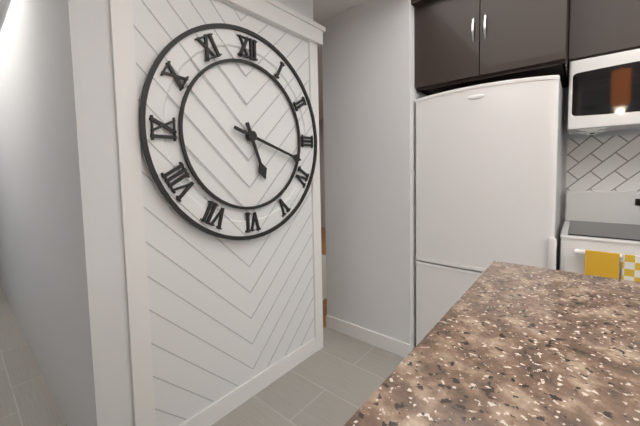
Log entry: {"hour": 5, "minute": 18}
